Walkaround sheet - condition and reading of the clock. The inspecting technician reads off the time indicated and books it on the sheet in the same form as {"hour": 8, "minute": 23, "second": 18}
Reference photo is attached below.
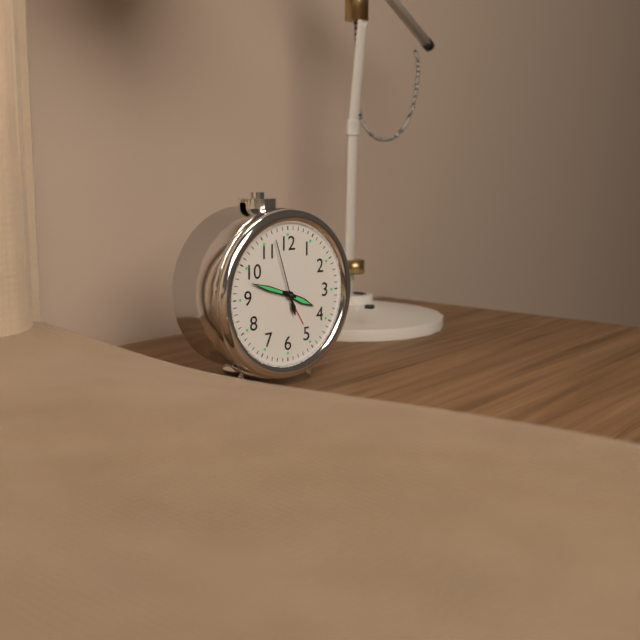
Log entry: {"hour": 3, "minute": 48, "second": 57}
